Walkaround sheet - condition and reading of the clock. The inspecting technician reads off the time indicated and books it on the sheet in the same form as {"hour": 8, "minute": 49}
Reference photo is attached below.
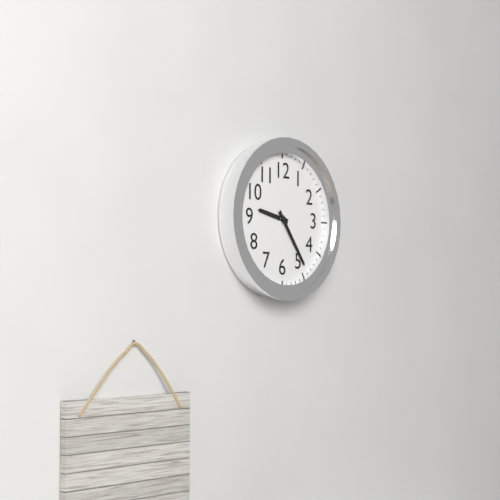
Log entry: {"hour": 9, "minute": 24}
